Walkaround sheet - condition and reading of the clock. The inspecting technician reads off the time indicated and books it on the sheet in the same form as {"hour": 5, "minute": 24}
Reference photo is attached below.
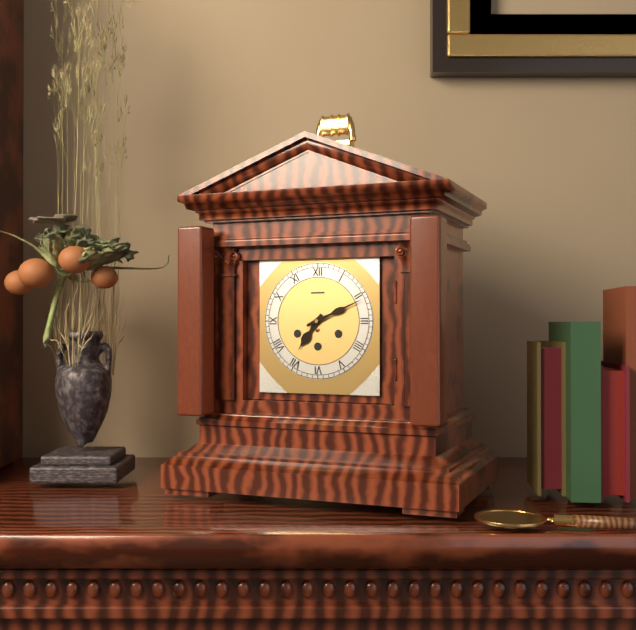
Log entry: {"hour": 7, "minute": 11}
